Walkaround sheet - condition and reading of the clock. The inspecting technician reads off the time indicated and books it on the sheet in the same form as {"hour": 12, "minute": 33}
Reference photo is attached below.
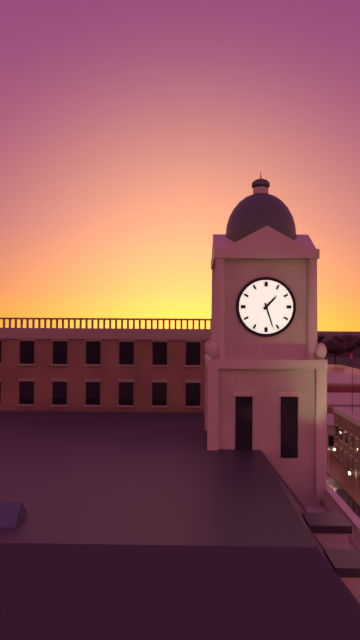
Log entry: {"hour": 1, "minute": 27}
